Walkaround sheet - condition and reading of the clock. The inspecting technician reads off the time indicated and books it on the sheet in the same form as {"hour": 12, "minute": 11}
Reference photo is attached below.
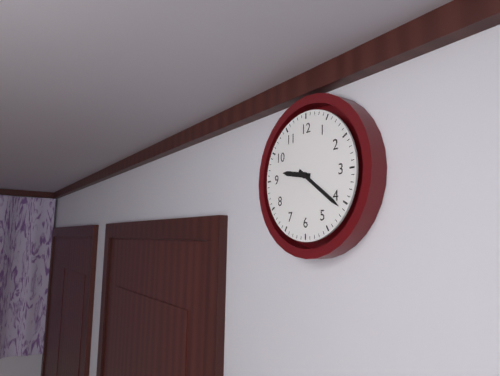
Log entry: {"hour": 9, "minute": 21}
